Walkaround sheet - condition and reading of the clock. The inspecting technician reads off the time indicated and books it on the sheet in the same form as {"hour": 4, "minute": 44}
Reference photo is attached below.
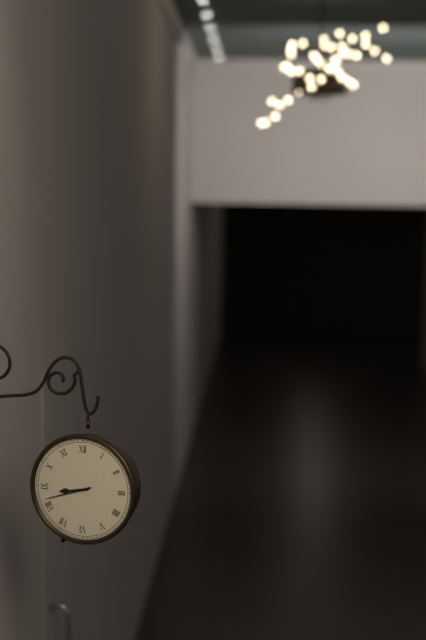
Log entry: {"hour": 8, "minute": 42}
